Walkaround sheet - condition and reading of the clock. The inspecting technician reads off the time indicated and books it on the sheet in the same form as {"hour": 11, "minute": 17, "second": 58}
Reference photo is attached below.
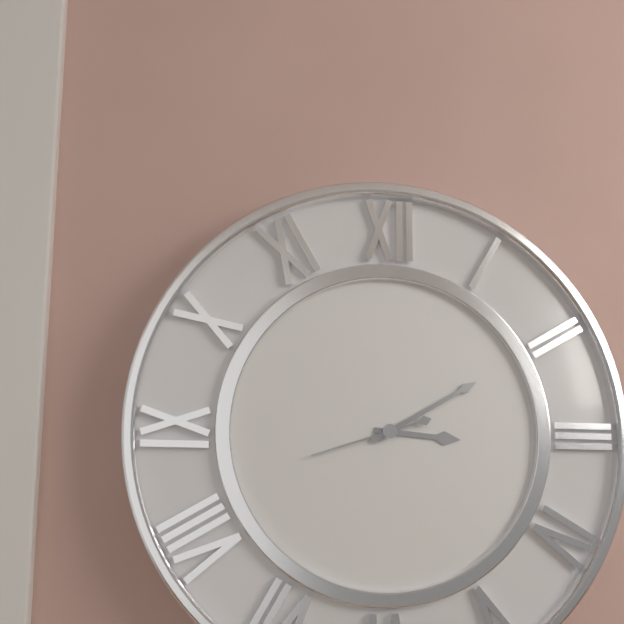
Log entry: {"hour": 3, "minute": 10, "second": 42}
